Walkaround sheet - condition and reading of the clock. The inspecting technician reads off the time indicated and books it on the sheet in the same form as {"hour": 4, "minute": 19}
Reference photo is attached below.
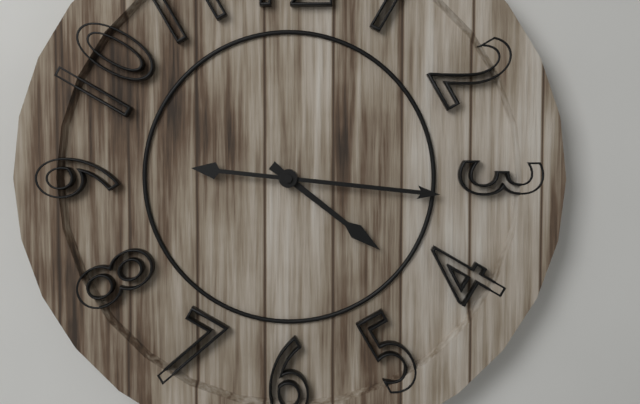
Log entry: {"hour": 4, "minute": 16}
